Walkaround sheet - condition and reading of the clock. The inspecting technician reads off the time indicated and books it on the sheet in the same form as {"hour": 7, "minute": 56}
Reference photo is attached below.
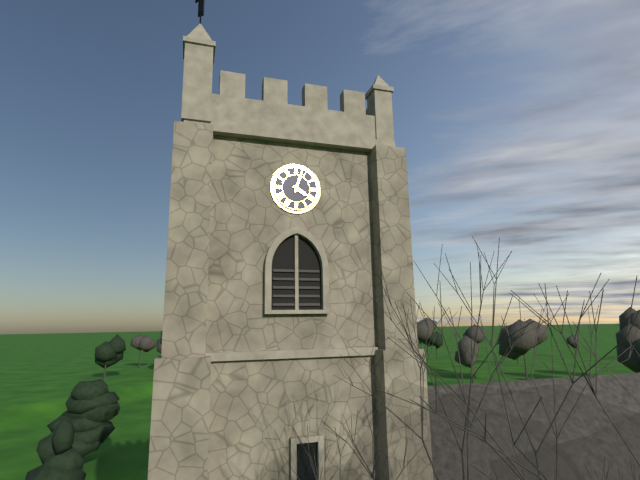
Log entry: {"hour": 4, "minute": 3}
